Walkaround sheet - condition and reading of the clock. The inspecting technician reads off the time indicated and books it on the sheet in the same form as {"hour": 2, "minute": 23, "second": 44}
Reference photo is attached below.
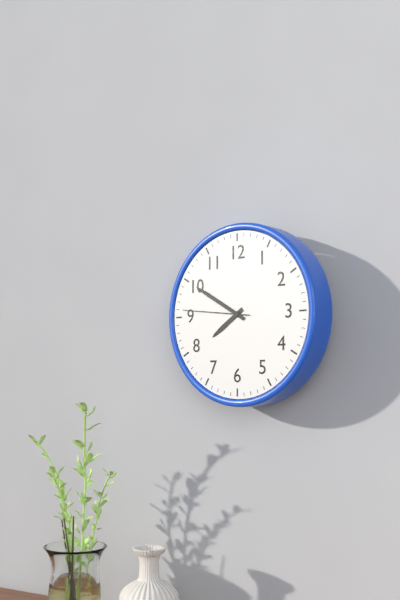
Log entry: {"hour": 7, "minute": 50, "second": 46}
